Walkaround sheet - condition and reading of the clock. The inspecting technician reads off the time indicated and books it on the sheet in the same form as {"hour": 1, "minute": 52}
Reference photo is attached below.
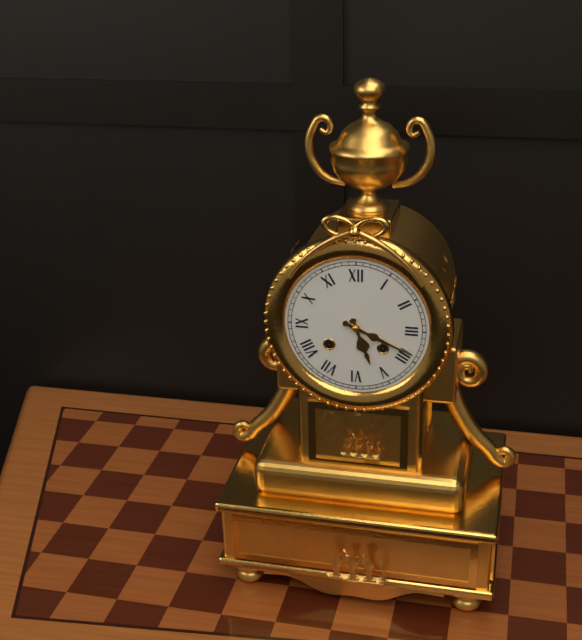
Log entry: {"hour": 5, "minute": 19}
